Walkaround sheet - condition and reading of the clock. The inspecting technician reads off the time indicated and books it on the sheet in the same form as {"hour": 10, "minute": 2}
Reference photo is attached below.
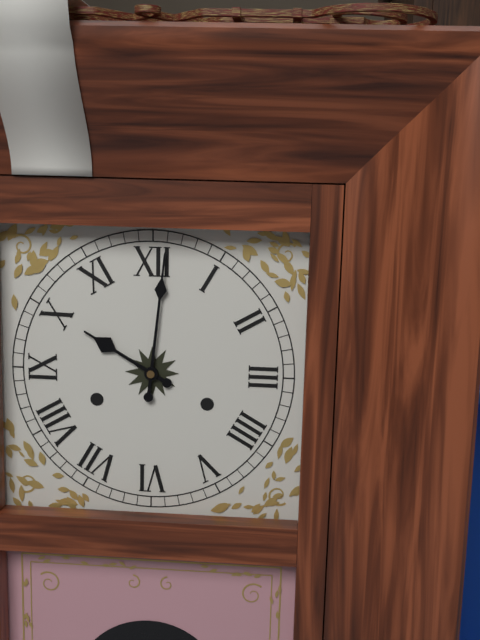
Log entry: {"hour": 10, "minute": 1}
